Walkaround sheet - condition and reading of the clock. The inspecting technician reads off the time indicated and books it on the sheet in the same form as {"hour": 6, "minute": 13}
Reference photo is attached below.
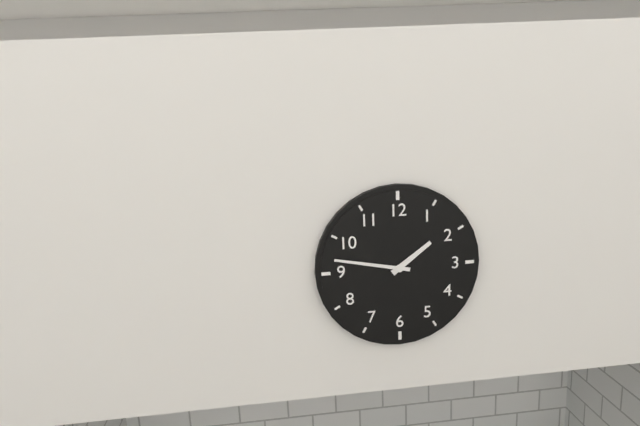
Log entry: {"hour": 1, "minute": 47}
